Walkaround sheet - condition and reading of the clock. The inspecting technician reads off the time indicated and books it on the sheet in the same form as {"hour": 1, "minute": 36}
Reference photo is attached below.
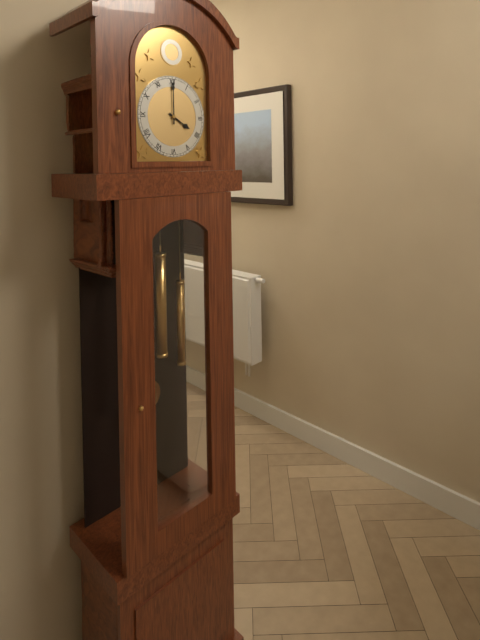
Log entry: {"hour": 4, "minute": 0}
